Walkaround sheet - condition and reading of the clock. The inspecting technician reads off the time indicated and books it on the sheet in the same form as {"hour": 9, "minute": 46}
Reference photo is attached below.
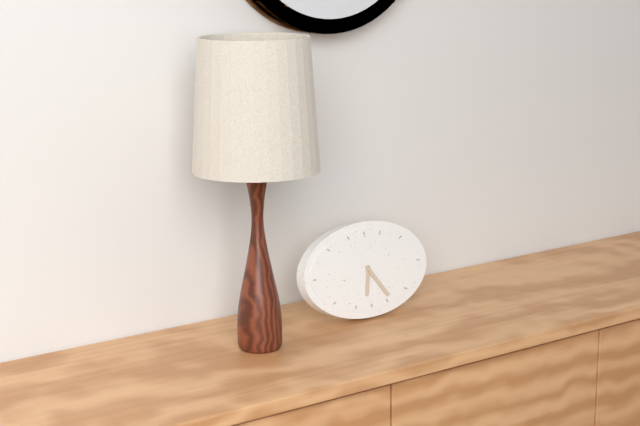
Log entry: {"hour": 6, "minute": 24}
